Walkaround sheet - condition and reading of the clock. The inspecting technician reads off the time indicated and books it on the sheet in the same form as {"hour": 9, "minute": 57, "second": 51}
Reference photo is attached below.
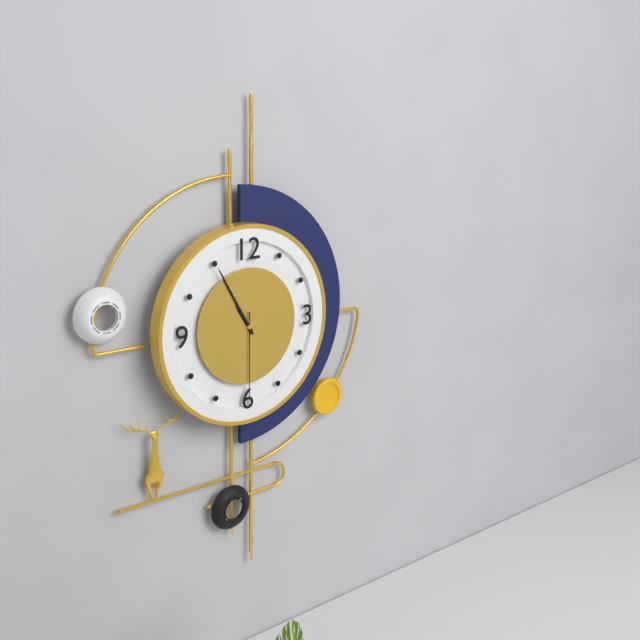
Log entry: {"hour": 10, "minute": 55, "second": 30}
